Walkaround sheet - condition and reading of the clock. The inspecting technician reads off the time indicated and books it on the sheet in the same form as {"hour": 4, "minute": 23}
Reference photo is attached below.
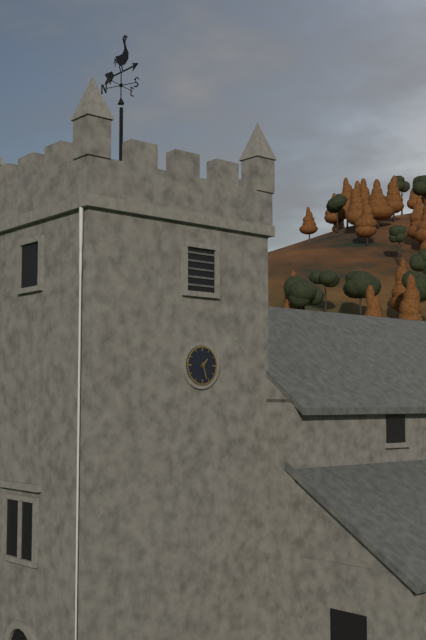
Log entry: {"hour": 1, "minute": 27}
